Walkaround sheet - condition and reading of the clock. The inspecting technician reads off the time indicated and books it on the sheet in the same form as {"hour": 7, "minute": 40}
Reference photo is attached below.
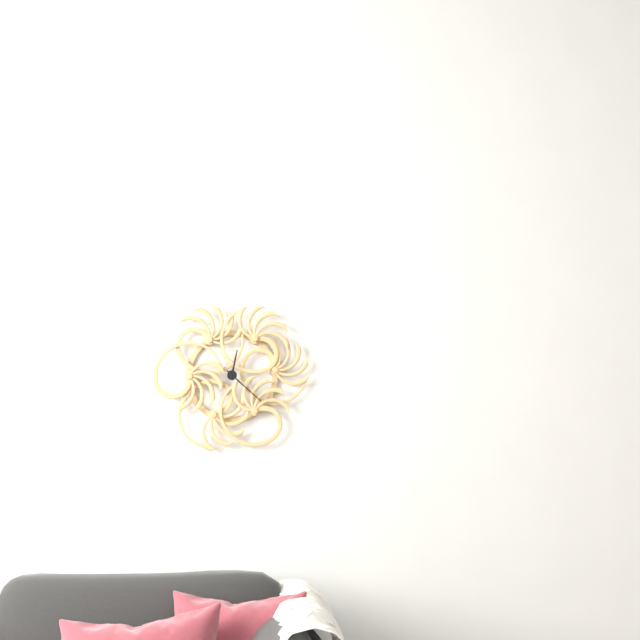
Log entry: {"hour": 12, "minute": 22}
